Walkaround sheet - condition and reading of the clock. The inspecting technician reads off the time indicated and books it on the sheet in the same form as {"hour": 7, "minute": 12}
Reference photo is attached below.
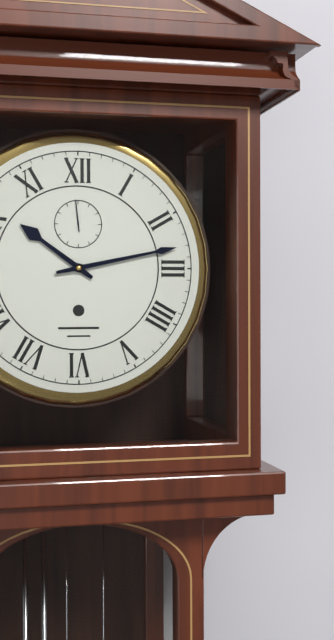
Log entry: {"hour": 10, "minute": 13}
